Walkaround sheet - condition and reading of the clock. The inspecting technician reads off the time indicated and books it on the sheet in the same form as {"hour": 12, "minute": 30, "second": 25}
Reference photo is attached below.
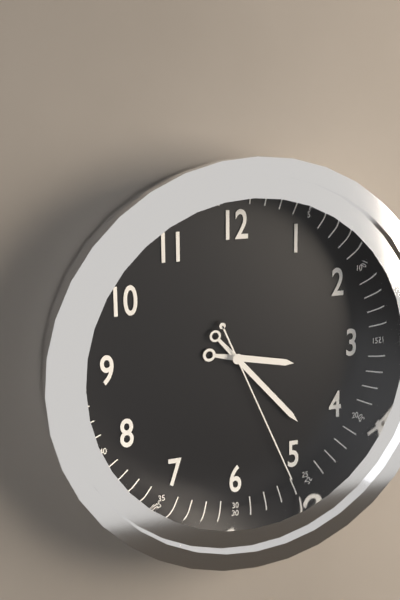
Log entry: {"hour": 3, "minute": 23, "second": 26}
